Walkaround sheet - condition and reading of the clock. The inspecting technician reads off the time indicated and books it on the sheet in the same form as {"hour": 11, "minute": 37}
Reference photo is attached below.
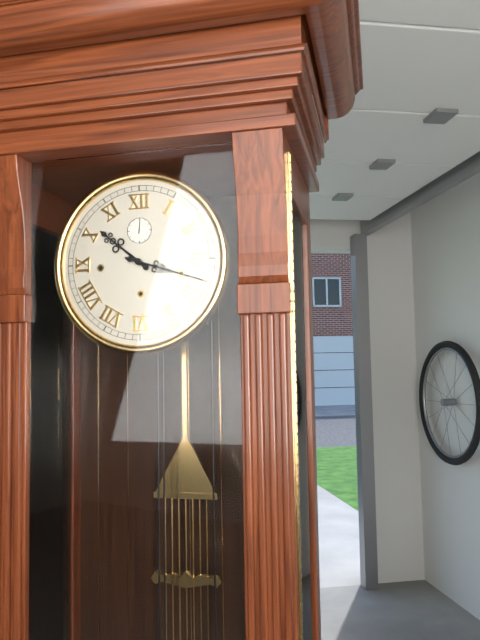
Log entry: {"hour": 10, "minute": 18}
